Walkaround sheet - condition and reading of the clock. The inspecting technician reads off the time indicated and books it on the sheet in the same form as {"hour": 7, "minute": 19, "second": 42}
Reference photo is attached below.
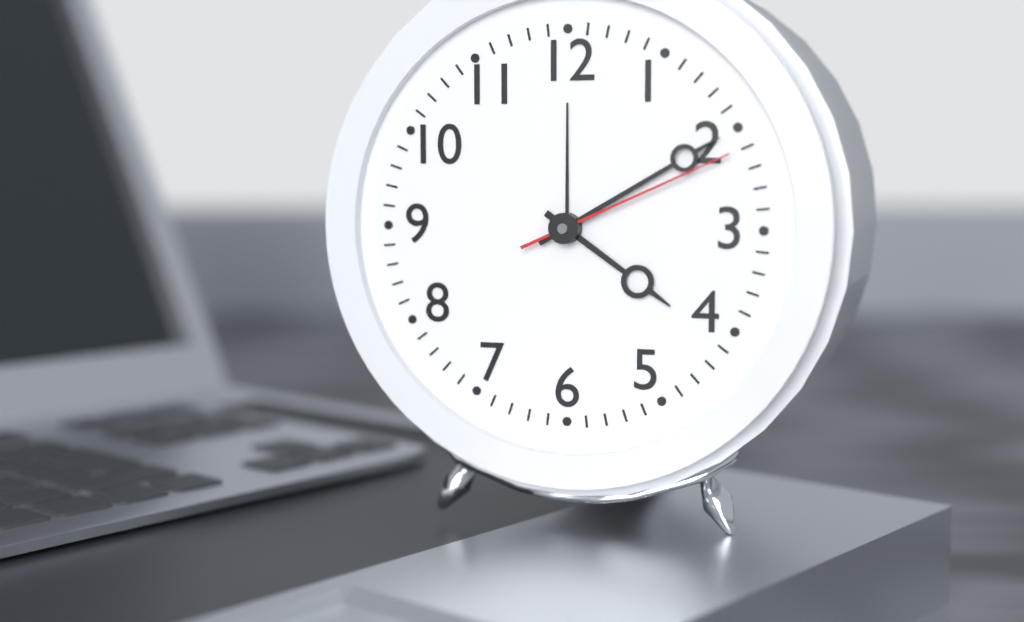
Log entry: {"hour": 4, "minute": 10, "second": 11}
